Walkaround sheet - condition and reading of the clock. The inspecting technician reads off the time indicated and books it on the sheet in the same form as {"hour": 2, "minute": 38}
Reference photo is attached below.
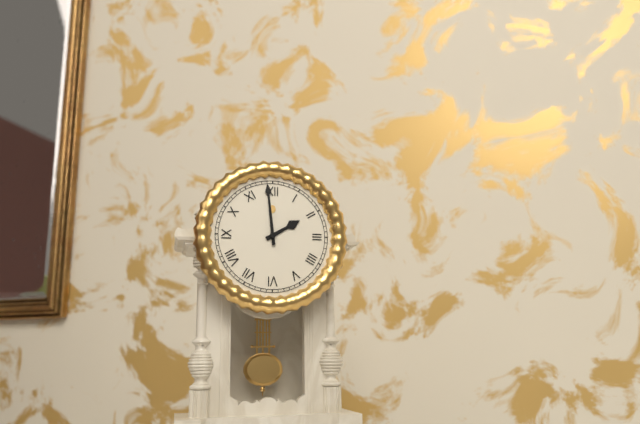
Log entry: {"hour": 1, "minute": 59}
